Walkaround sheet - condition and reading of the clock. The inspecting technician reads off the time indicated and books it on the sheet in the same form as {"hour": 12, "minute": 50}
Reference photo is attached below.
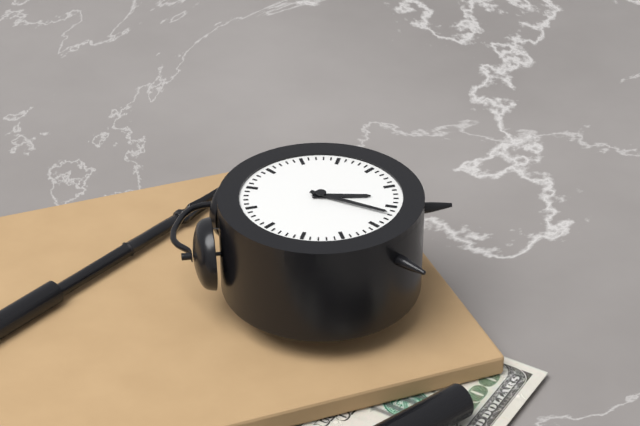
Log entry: {"hour": 5, "minute": 32}
